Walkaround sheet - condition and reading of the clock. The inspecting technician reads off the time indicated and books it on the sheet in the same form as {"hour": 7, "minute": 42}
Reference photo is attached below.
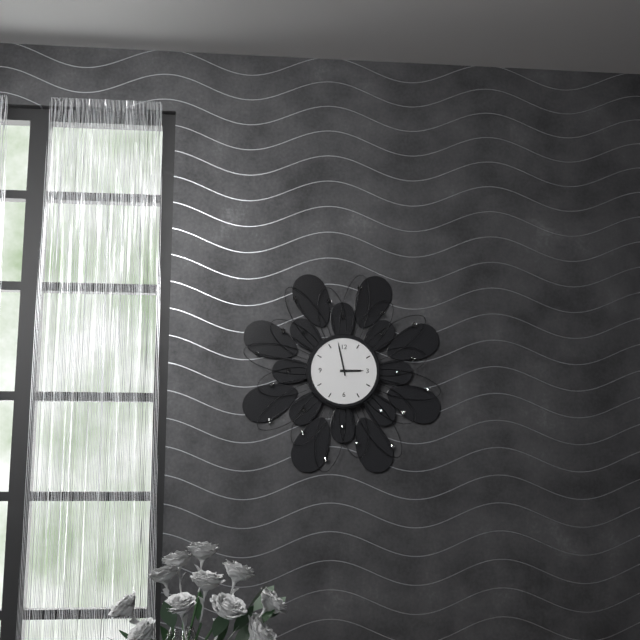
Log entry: {"hour": 2, "minute": 58}
